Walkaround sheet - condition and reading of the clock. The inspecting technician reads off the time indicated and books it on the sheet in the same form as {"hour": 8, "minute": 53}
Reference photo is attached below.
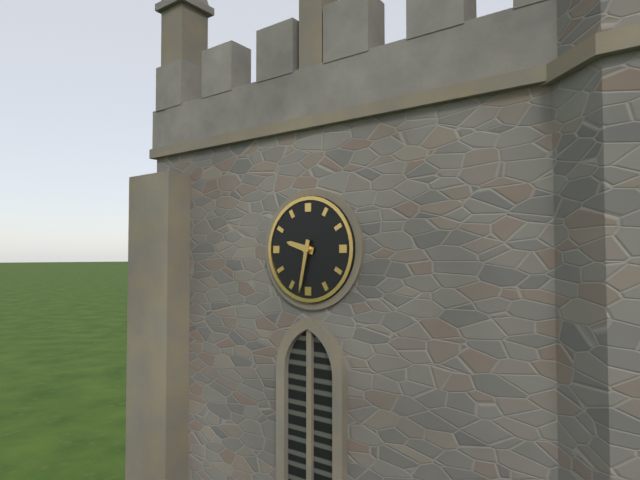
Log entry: {"hour": 9, "minute": 32}
